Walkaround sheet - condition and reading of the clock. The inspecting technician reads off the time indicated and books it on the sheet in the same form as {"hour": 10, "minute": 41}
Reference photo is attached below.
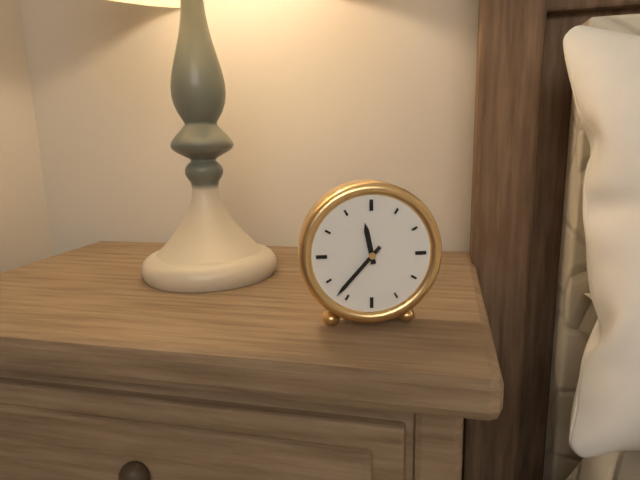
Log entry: {"hour": 11, "minute": 37}
